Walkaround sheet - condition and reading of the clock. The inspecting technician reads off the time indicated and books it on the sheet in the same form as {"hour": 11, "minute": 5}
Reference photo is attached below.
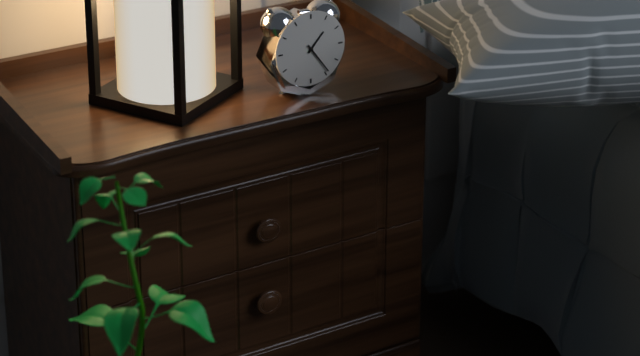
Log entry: {"hour": 1, "minute": 24}
